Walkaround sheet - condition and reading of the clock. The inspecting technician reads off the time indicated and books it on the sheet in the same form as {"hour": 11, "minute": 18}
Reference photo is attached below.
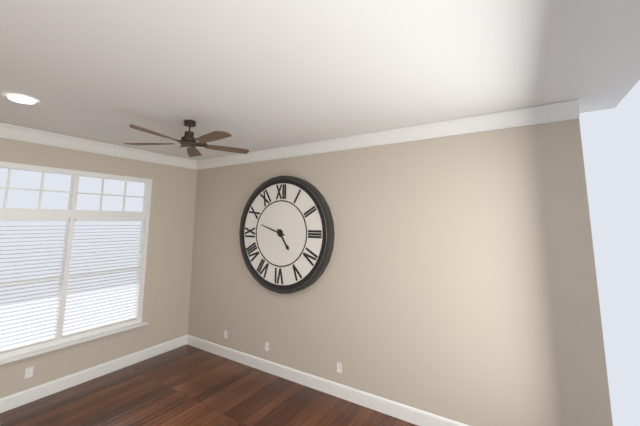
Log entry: {"hour": 4, "minute": 48}
